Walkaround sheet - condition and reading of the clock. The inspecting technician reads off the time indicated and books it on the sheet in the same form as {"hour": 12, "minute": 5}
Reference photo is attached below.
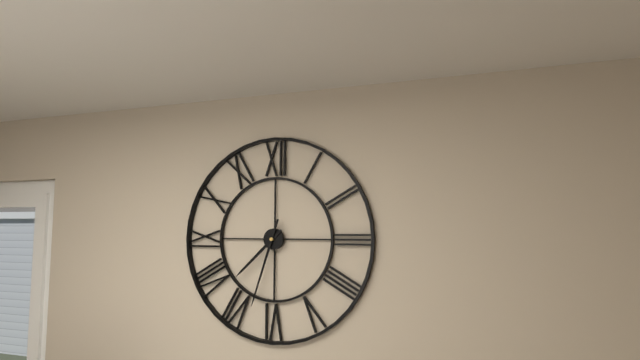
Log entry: {"hour": 7, "minute": 33}
